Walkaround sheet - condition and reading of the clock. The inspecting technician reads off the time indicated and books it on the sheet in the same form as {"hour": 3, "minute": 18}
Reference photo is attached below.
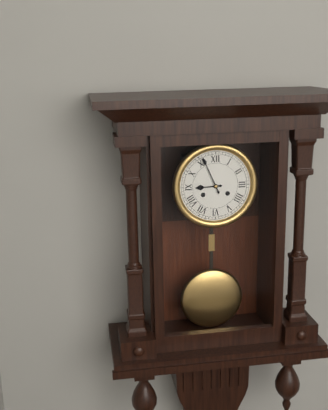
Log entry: {"hour": 8, "minute": 56}
